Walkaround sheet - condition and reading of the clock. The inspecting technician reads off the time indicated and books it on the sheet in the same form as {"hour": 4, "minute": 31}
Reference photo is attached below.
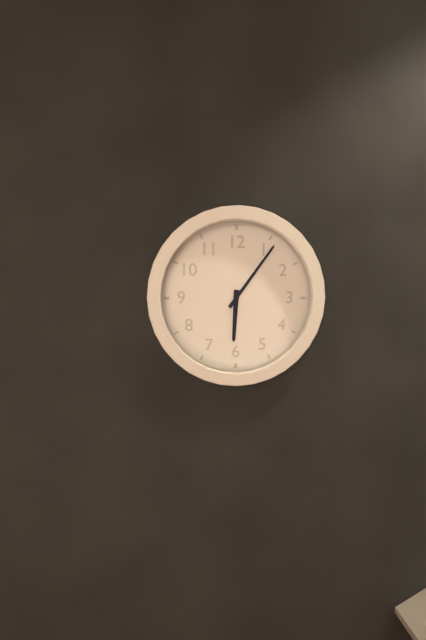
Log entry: {"hour": 6, "minute": 6}
